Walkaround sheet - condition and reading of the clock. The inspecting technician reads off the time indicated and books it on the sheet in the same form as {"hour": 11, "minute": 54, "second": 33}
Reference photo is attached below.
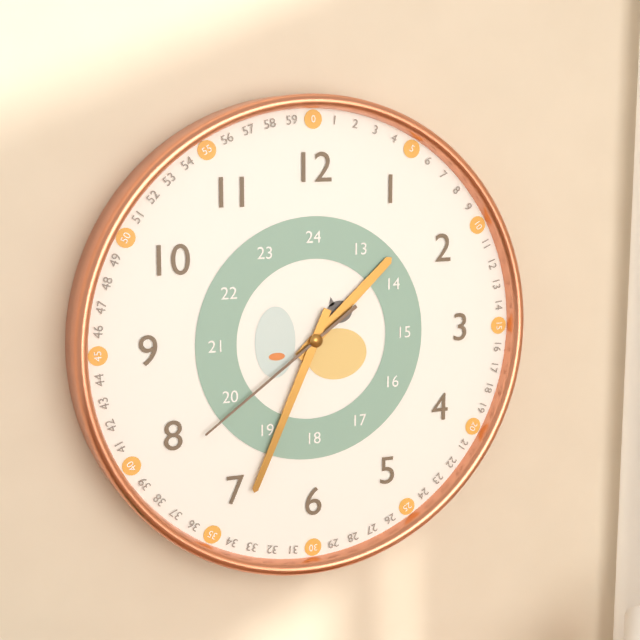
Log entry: {"hour": 1, "minute": 34, "second": 39}
